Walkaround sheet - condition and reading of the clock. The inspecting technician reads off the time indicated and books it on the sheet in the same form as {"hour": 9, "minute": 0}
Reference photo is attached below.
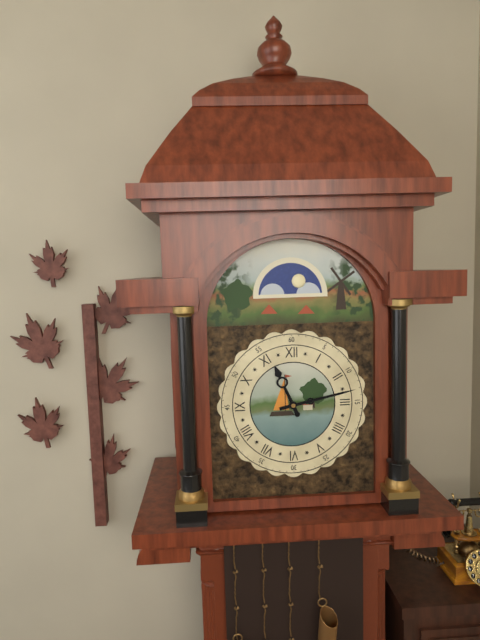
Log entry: {"hour": 11, "minute": 13}
